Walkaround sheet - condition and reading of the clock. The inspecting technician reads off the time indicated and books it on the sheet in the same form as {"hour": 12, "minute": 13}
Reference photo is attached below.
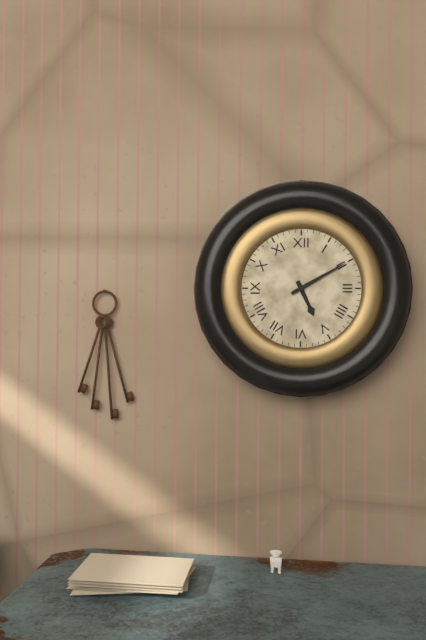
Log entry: {"hour": 5, "minute": 10}
